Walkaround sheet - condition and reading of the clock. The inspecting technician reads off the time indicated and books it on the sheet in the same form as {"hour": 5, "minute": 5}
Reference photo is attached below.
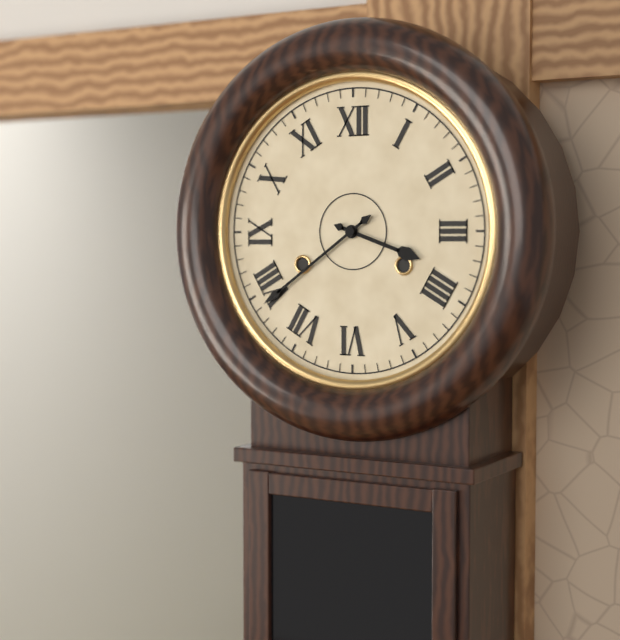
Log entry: {"hour": 3, "minute": 39}
